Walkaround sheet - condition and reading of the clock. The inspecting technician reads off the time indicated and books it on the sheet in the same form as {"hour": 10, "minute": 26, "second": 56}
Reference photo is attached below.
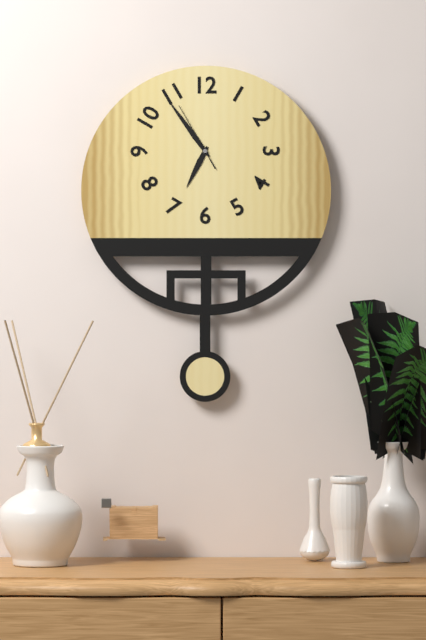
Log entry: {"hour": 6, "minute": 54, "second": 55}
